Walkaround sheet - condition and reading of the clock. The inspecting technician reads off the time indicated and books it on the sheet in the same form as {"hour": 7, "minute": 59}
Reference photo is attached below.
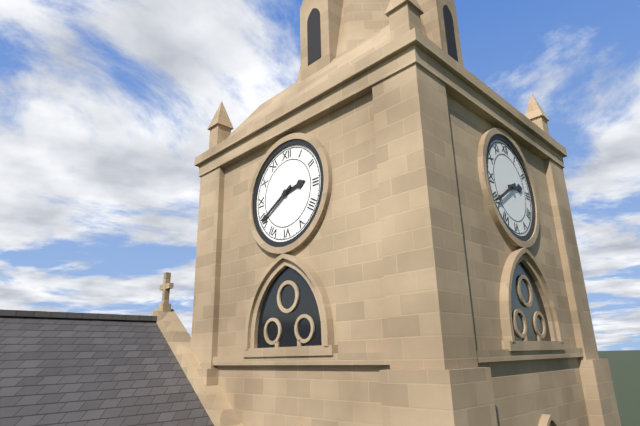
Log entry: {"hour": 2, "minute": 40}
